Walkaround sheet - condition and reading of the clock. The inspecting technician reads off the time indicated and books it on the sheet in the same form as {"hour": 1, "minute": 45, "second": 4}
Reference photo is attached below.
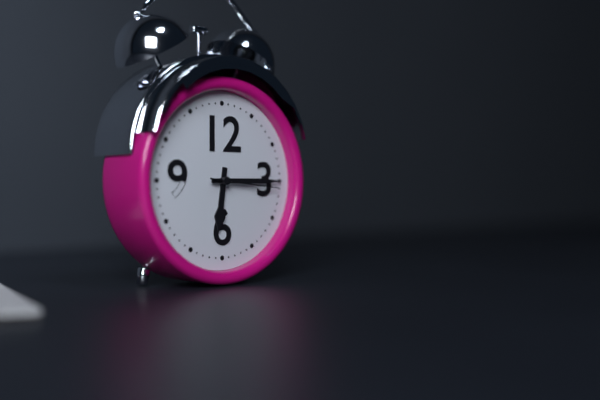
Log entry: {"hour": 6, "minute": 15, "second": 16}
